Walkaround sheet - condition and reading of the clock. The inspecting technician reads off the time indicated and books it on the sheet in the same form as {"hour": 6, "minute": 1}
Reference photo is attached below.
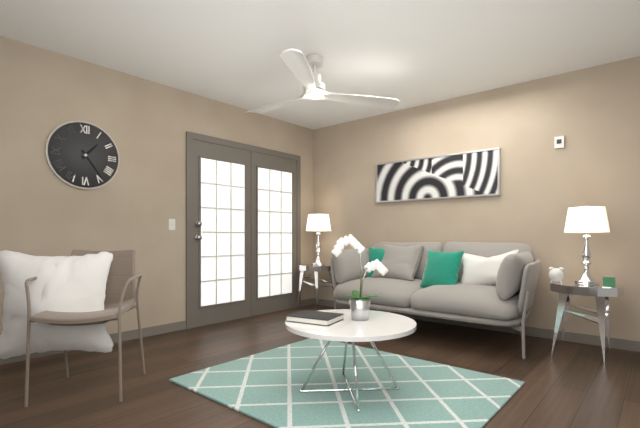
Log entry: {"hour": 1, "minute": 24}
